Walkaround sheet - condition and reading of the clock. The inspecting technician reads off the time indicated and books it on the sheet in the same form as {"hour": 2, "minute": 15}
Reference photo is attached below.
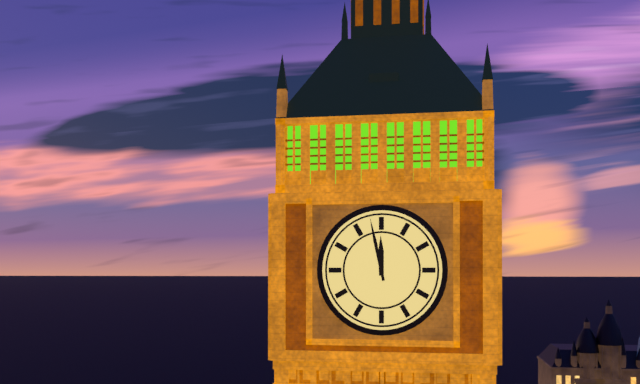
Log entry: {"hour": 11, "minute": 58}
